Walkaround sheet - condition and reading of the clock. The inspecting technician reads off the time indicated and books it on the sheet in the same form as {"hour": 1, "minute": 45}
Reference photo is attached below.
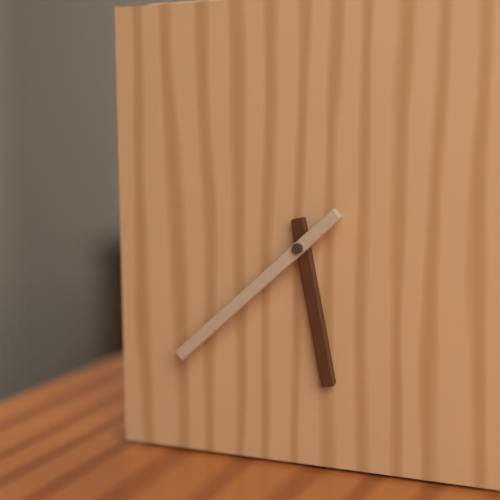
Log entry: {"hour": 5, "minute": 38}
